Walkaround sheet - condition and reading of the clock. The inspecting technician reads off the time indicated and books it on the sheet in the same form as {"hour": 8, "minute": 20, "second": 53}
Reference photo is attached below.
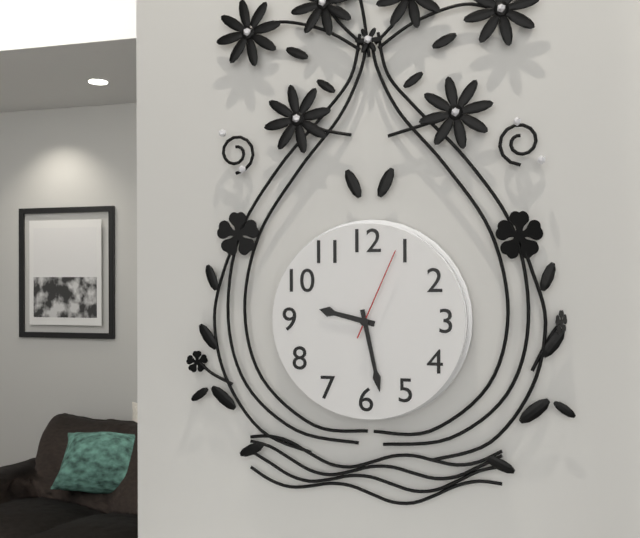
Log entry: {"hour": 9, "minute": 28, "second": 4}
